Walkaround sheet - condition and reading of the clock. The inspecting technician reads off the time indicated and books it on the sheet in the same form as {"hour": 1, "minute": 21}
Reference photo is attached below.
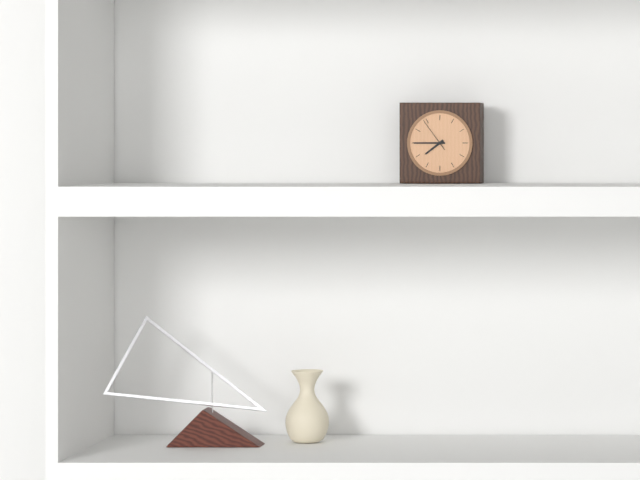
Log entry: {"hour": 7, "minute": 45}
